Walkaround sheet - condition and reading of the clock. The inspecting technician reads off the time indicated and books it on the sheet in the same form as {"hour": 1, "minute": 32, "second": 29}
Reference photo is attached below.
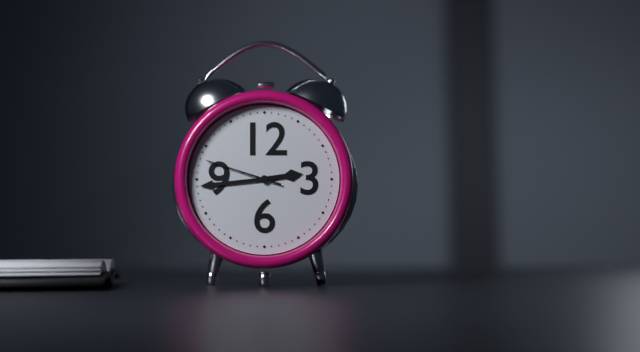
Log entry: {"hour": 2, "minute": 44, "second": 48}
